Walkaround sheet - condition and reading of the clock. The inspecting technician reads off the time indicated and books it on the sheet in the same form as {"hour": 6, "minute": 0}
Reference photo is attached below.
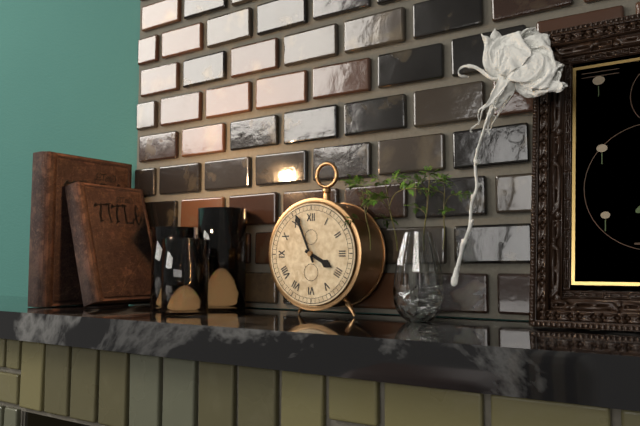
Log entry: {"hour": 3, "minute": 56}
